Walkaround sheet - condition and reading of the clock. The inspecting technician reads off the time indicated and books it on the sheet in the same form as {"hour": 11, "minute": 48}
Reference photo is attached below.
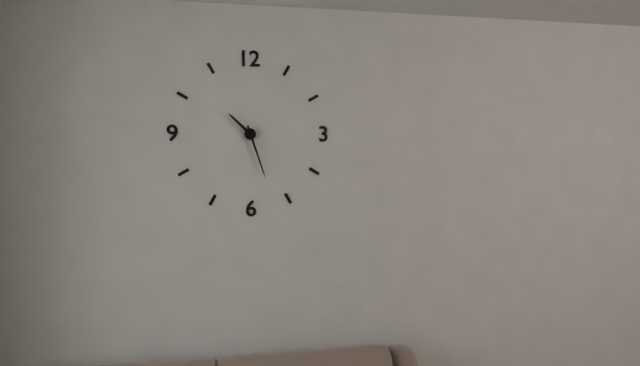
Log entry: {"hour": 10, "minute": 27}
